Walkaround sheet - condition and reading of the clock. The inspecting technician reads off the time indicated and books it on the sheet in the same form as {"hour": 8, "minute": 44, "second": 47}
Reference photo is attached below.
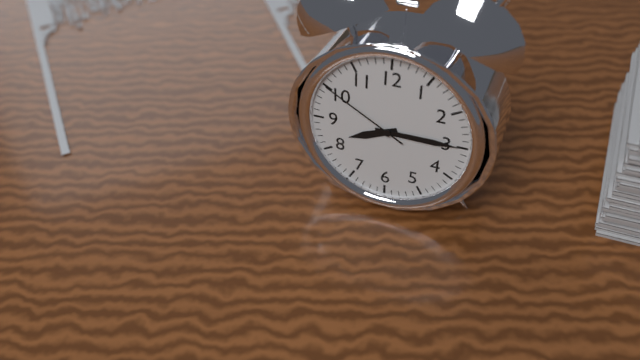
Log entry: {"hour": 8, "minute": 15, "second": 50}
